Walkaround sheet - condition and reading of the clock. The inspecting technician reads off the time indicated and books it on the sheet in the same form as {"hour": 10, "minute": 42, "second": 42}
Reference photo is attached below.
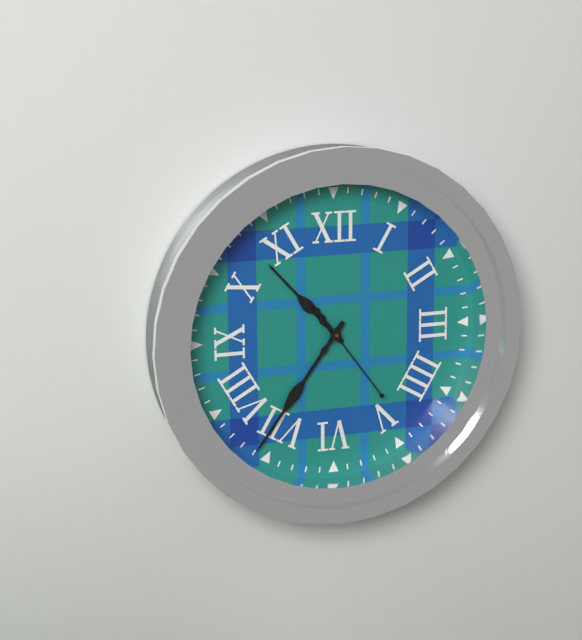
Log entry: {"hour": 10, "minute": 36, "second": 24}
